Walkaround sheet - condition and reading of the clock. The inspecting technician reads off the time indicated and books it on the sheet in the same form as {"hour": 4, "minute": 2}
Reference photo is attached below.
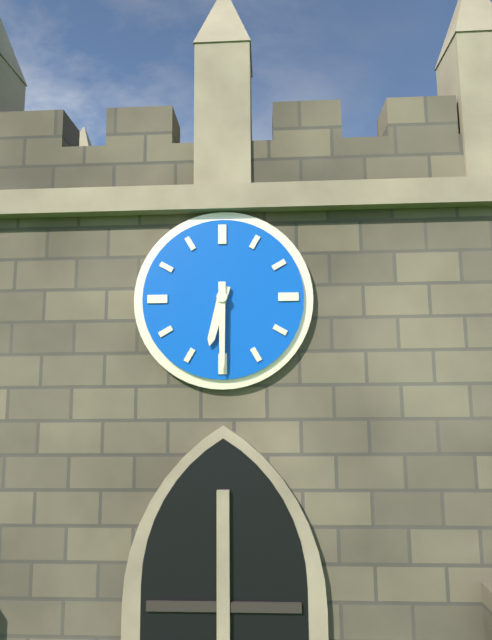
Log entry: {"hour": 6, "minute": 30}
